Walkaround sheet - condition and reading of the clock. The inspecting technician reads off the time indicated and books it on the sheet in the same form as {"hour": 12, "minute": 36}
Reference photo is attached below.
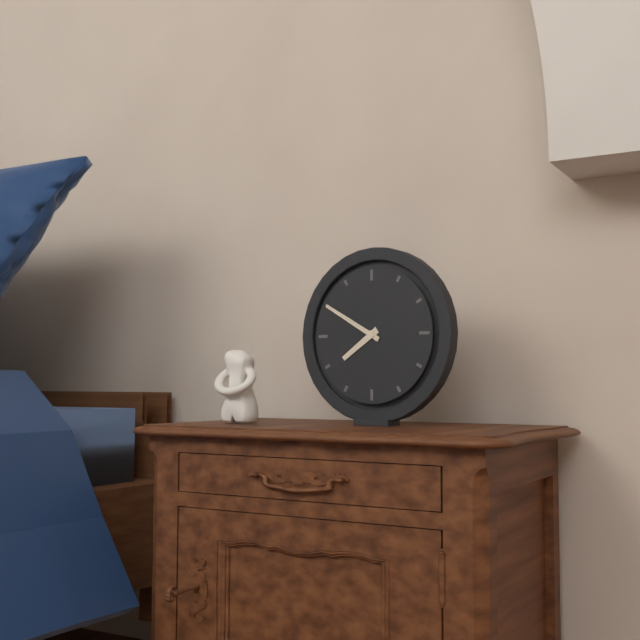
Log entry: {"hour": 7, "minute": 50}
